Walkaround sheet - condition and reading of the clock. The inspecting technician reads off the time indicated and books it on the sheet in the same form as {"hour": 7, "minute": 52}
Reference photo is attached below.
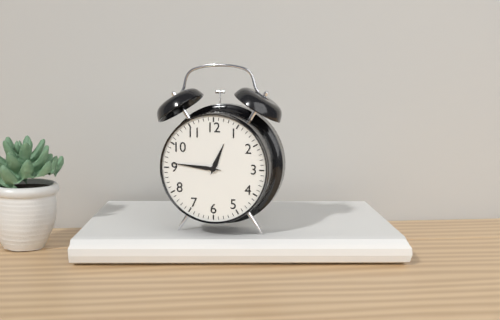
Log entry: {"hour": 12, "minute": 46}
